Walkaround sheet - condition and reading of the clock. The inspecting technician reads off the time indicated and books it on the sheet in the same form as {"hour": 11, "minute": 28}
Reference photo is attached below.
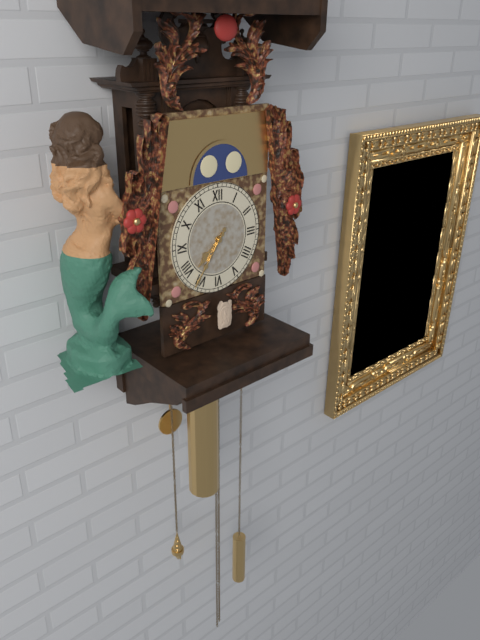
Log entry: {"hour": 7, "minute": 36}
